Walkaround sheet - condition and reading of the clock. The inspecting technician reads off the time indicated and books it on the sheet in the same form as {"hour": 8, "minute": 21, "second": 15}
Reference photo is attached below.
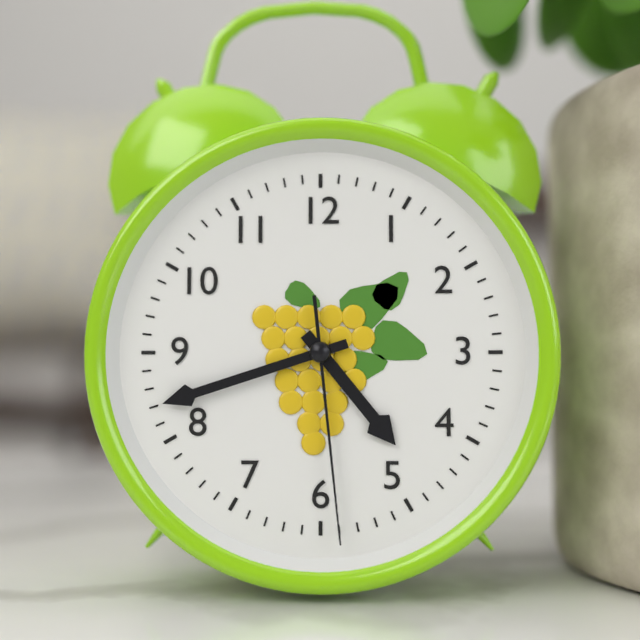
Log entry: {"hour": 4, "minute": 42, "second": 29}
